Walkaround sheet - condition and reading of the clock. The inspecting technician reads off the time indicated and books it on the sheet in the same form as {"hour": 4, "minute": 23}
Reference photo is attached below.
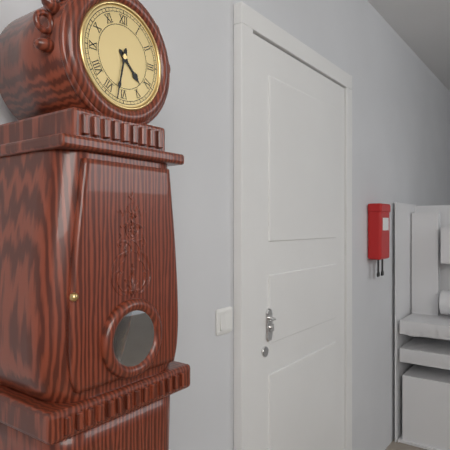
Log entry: {"hour": 4, "minute": 32}
